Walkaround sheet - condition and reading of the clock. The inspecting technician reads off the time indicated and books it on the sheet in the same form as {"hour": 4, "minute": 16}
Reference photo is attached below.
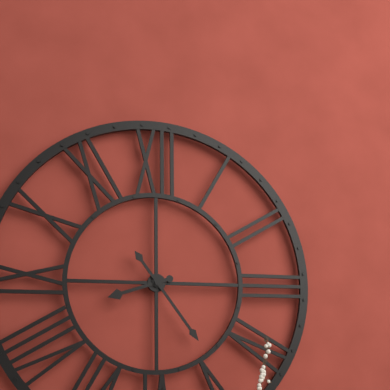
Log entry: {"hour": 8, "minute": 24}
